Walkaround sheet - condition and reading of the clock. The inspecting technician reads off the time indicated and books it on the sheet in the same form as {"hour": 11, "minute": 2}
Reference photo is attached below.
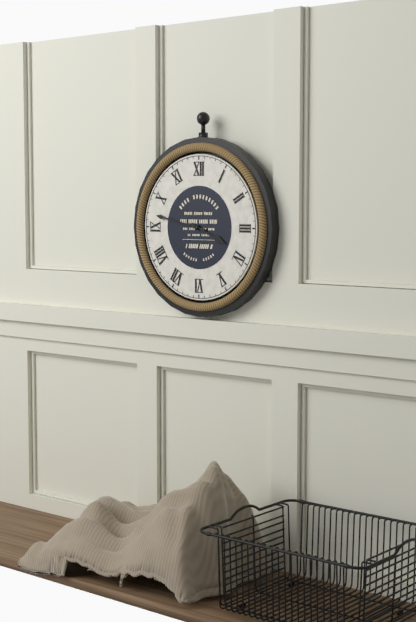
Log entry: {"hour": 3, "minute": 47}
